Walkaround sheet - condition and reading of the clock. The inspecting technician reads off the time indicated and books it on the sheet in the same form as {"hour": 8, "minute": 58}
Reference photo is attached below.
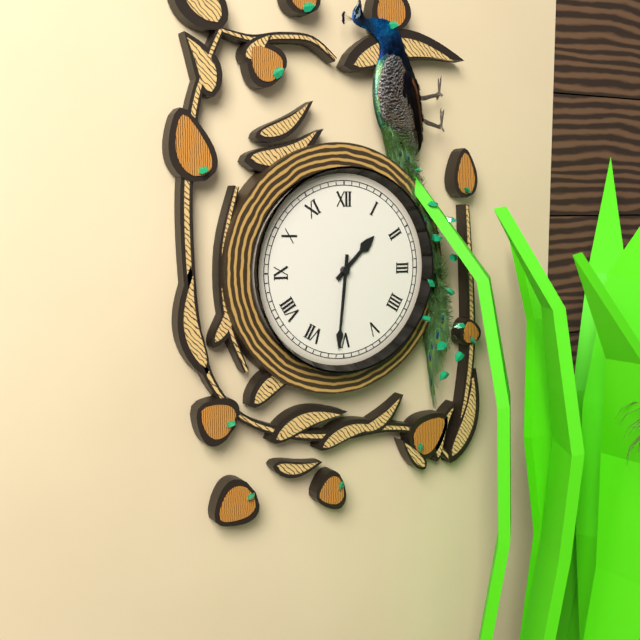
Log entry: {"hour": 1, "minute": 31}
